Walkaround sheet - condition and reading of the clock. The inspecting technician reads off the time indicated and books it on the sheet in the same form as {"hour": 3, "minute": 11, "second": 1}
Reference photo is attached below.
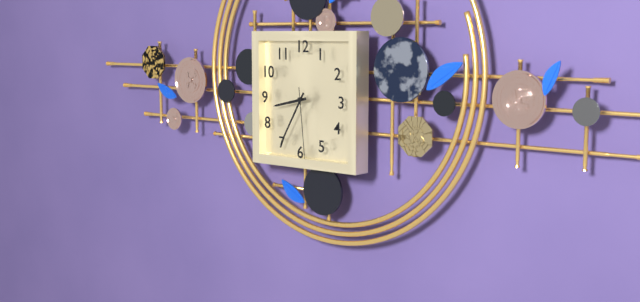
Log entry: {"hour": 8, "minute": 35, "second": 29}
